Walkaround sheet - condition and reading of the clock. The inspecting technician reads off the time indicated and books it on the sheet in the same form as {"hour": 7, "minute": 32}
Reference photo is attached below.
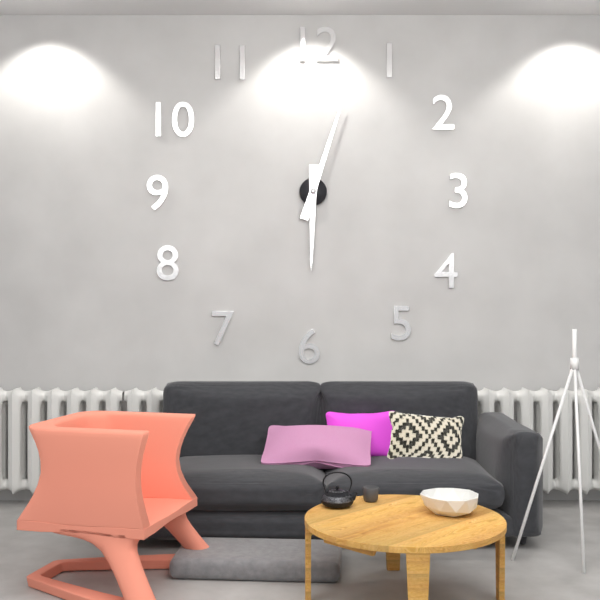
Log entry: {"hour": 6, "minute": 3}
